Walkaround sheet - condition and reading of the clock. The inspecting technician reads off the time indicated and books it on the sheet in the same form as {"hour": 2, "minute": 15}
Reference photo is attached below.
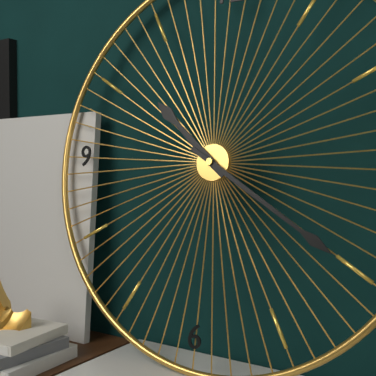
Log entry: {"hour": 10, "minute": 20}
